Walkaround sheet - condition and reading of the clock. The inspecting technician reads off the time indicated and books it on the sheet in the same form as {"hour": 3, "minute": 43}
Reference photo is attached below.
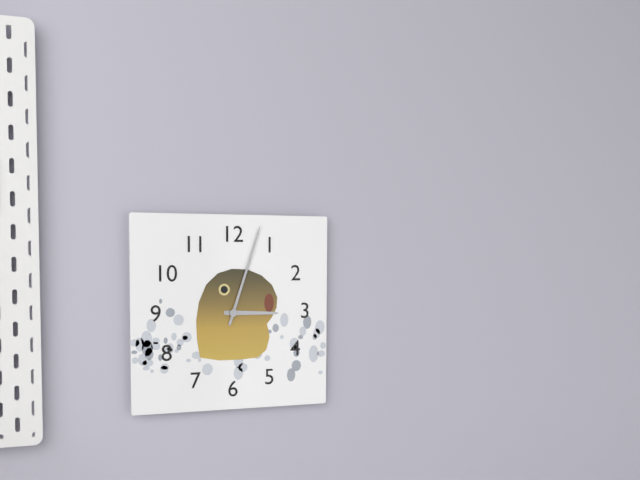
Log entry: {"hour": 3, "minute": 3}
